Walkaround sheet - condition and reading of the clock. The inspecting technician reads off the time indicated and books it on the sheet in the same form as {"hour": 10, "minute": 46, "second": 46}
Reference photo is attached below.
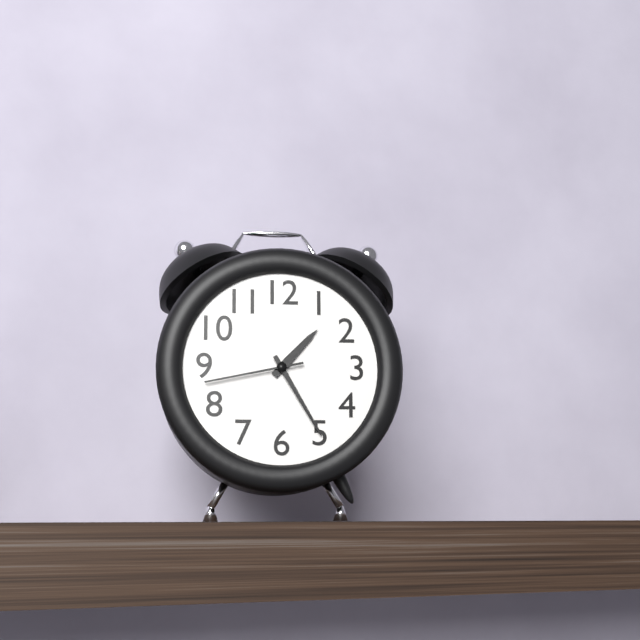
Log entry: {"hour": 1, "minute": 25, "second": 43}
